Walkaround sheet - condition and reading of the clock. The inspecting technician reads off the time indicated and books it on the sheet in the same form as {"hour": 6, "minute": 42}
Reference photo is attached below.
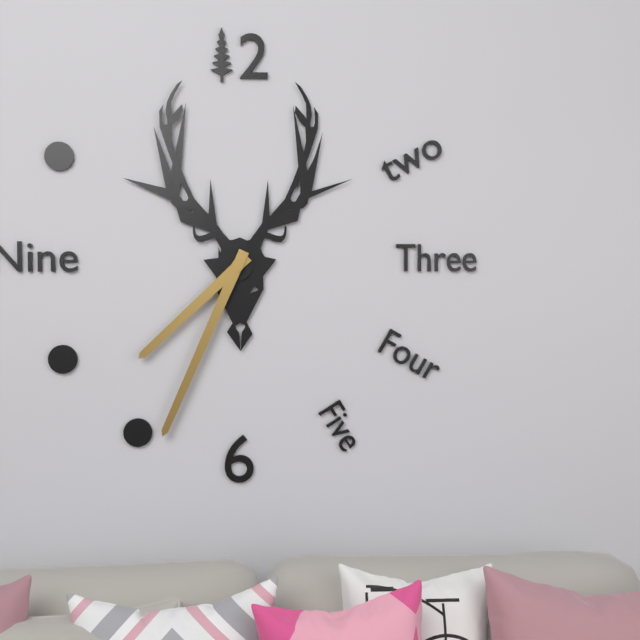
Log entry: {"hour": 7, "minute": 34}
